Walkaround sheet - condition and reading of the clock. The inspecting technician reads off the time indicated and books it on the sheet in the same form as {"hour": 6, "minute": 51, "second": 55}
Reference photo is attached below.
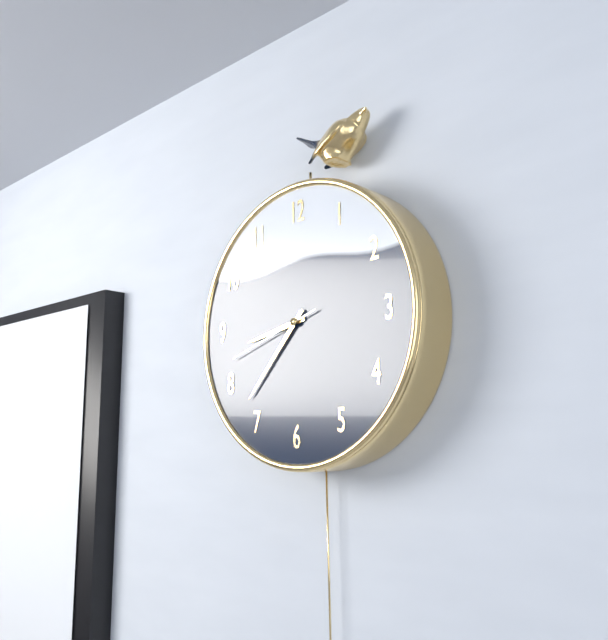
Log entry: {"hour": 8, "minute": 37, "second": 42}
